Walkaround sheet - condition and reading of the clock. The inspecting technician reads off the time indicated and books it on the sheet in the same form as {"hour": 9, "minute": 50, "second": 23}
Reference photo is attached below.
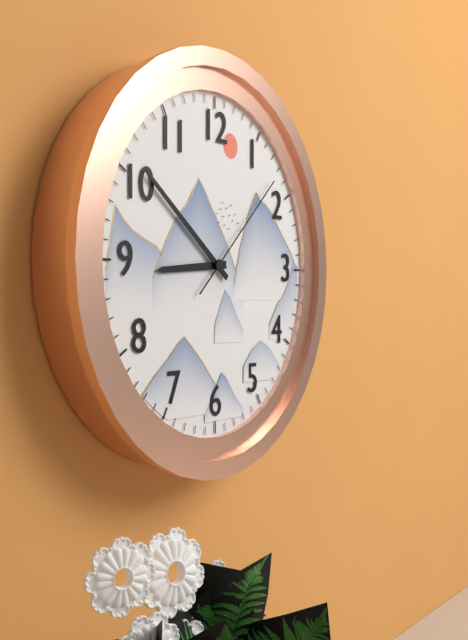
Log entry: {"hour": 8, "minute": 51, "second": 8}
